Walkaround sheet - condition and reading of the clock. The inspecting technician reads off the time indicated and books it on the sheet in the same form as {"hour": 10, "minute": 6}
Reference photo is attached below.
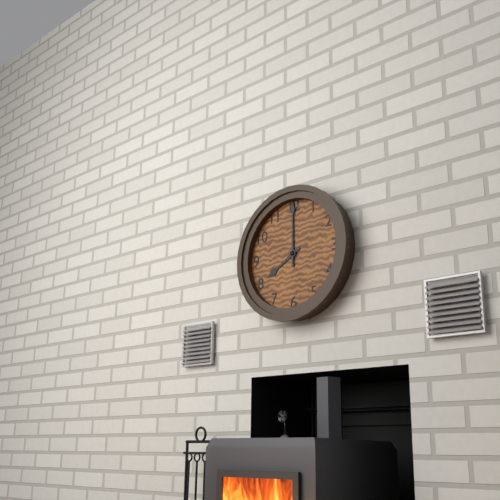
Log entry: {"hour": 8, "minute": 0}
